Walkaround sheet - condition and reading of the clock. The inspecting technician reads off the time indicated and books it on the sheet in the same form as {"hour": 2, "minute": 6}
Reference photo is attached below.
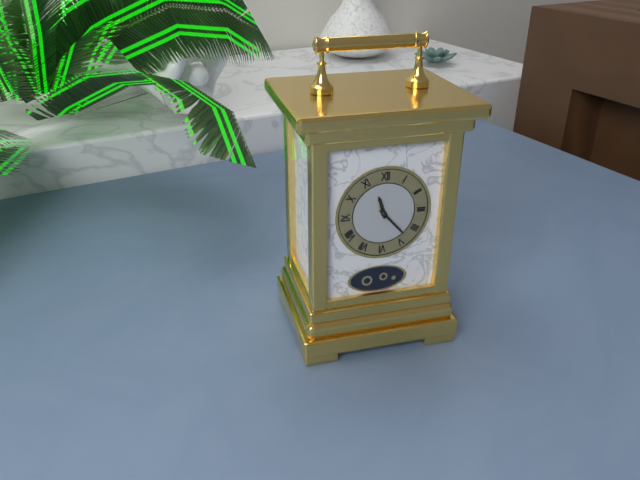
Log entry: {"hour": 11, "minute": 23}
